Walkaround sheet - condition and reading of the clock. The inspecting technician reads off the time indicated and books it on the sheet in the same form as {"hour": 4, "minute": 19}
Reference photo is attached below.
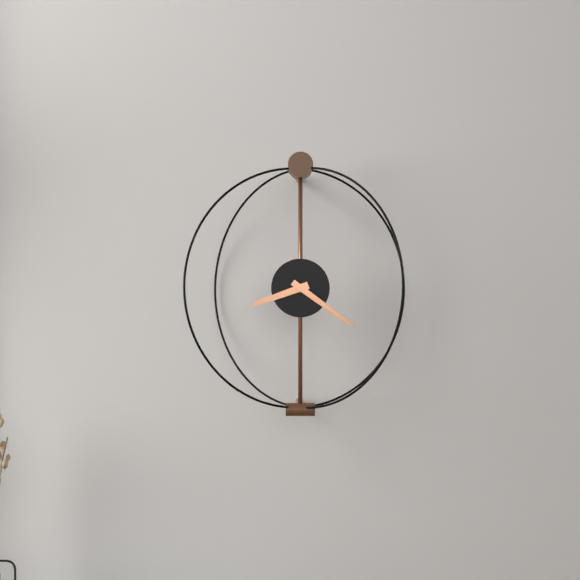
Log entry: {"hour": 8, "minute": 21}
